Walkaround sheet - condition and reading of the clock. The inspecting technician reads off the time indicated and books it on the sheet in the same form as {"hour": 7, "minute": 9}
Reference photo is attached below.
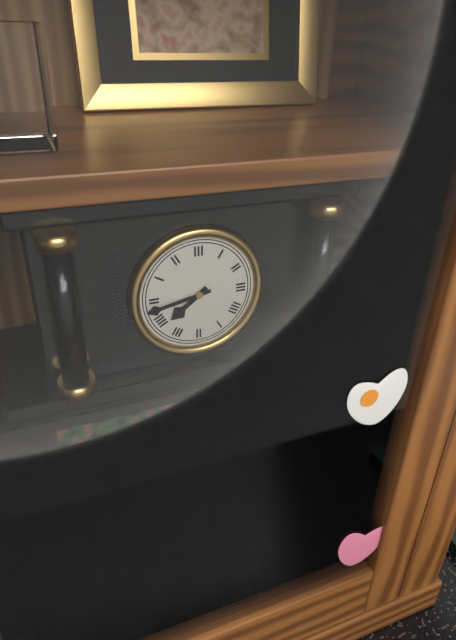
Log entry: {"hour": 7, "minute": 43}
